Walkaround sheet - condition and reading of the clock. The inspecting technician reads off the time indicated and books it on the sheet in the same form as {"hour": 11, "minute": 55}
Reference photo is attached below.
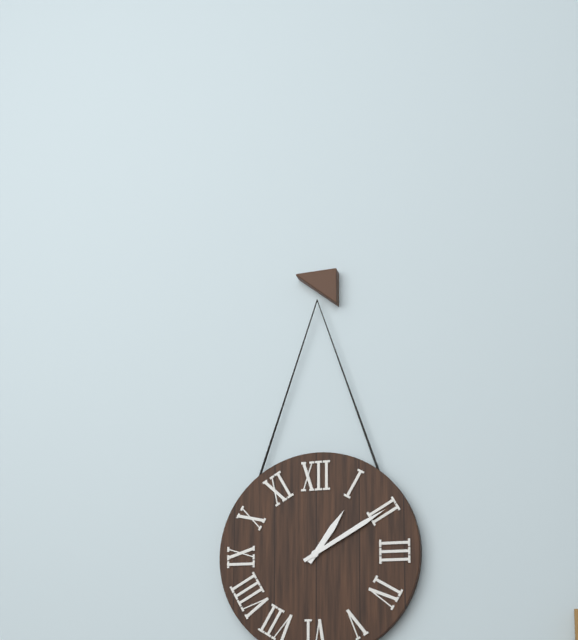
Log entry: {"hour": 1, "minute": 10}
